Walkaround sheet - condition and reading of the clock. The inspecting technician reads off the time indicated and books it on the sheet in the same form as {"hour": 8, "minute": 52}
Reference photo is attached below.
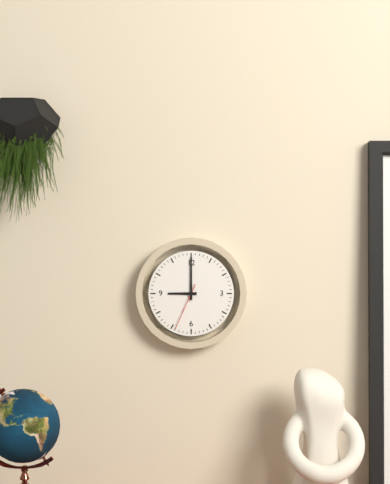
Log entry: {"hour": 9, "minute": 0}
